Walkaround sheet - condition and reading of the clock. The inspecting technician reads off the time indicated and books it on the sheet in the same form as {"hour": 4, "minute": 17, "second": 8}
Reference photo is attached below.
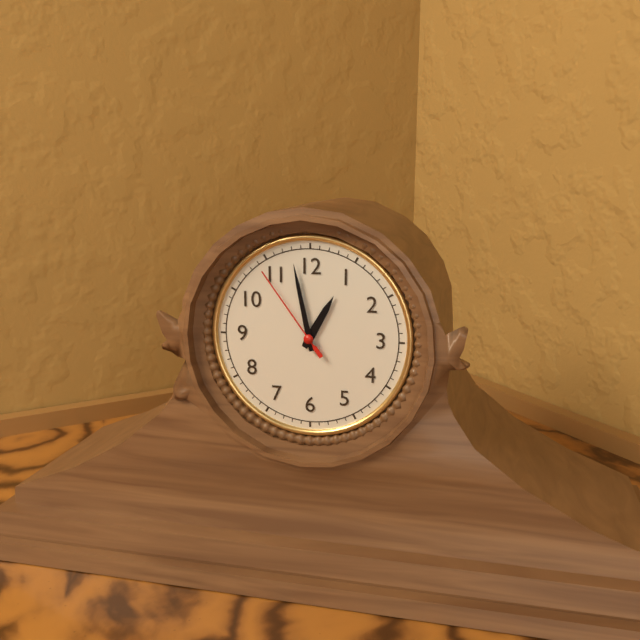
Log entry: {"hour": 12, "minute": 58, "second": 54}
